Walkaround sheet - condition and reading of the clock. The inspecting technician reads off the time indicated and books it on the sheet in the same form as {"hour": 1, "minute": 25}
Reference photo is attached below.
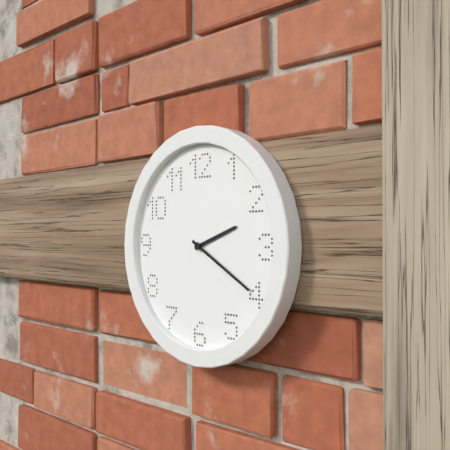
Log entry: {"hour": 2, "minute": 20}
